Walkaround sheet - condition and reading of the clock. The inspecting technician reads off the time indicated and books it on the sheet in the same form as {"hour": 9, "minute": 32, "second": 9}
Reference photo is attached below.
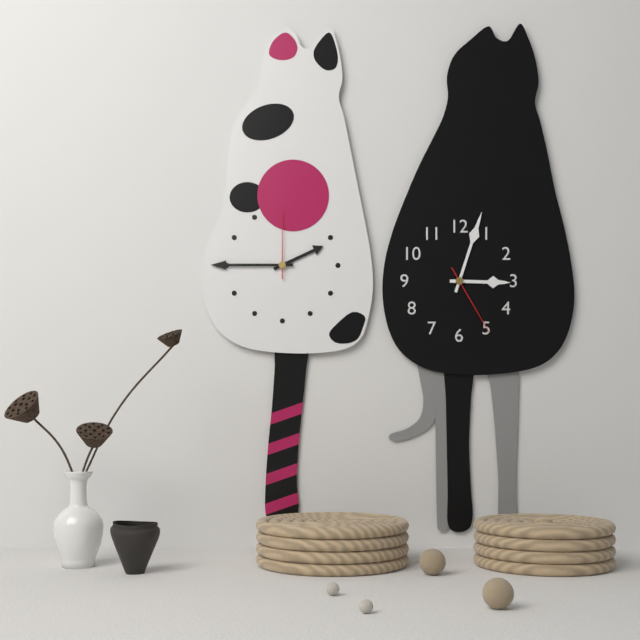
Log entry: {"hour": 3, "minute": 3, "second": 25}
